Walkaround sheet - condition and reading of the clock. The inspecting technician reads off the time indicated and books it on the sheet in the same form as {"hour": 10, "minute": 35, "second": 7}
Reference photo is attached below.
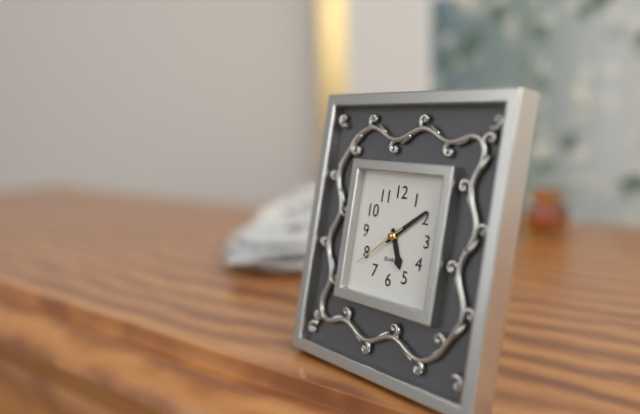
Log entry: {"hour": 5, "minute": 9, "second": 39}
